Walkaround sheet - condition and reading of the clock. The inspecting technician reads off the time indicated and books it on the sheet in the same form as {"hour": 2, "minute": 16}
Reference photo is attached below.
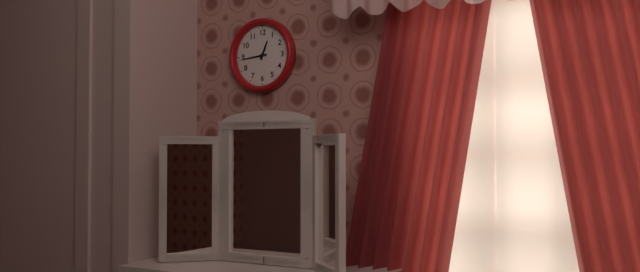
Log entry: {"hour": 12, "minute": 44}
